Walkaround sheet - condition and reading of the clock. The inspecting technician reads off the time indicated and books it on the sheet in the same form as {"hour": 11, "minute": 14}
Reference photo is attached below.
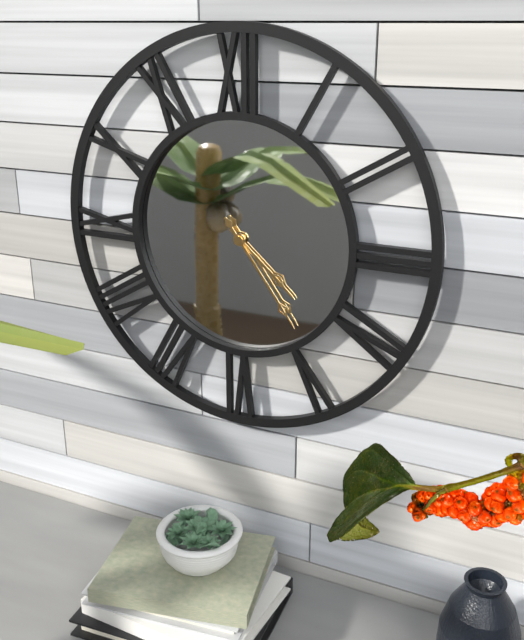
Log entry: {"hour": 4, "minute": 24}
